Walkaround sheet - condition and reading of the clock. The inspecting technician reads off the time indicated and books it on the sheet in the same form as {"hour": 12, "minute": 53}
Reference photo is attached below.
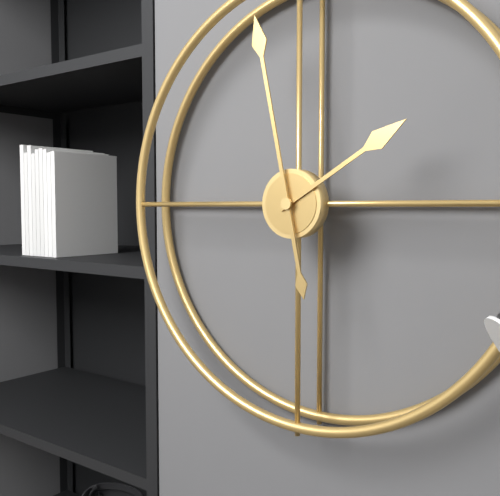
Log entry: {"hour": 1, "minute": 58}
